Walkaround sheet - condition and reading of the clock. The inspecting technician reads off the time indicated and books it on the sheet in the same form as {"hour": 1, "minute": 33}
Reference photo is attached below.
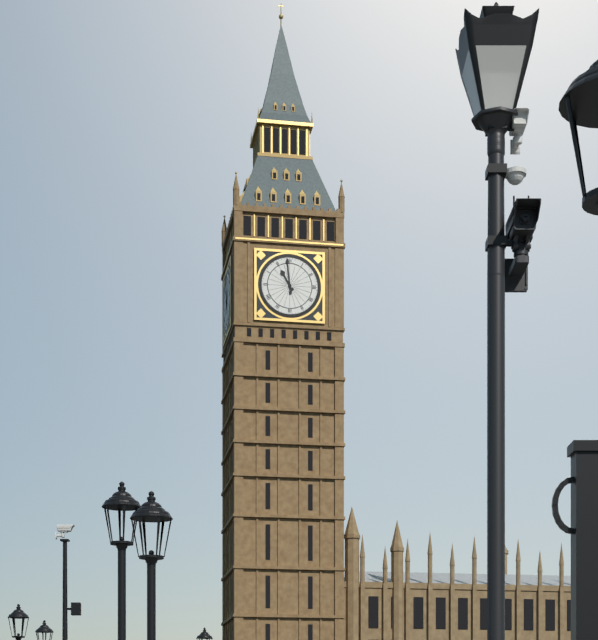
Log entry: {"hour": 10, "minute": 59}
